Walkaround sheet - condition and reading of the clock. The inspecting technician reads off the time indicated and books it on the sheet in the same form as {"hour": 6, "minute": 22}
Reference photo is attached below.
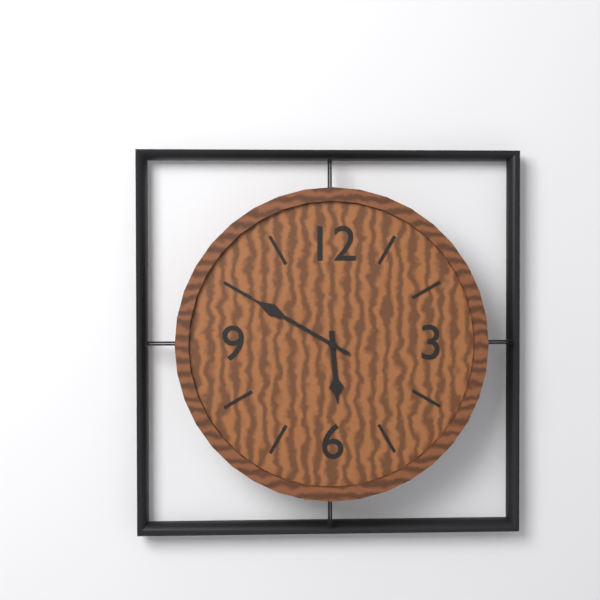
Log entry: {"hour": 5, "minute": 50}
